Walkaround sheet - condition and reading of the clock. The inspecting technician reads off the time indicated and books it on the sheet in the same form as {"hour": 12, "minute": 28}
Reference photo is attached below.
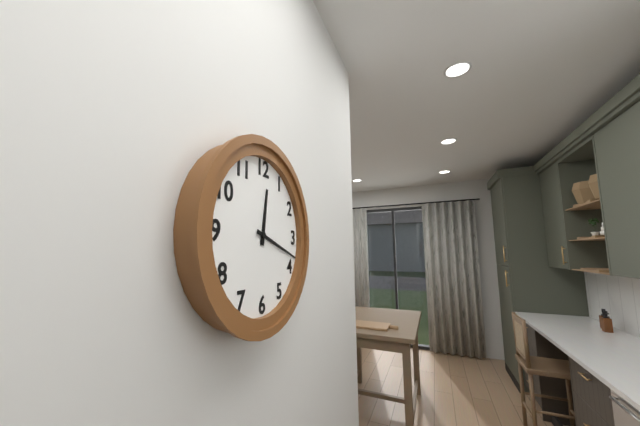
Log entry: {"hour": 12, "minute": 18}
